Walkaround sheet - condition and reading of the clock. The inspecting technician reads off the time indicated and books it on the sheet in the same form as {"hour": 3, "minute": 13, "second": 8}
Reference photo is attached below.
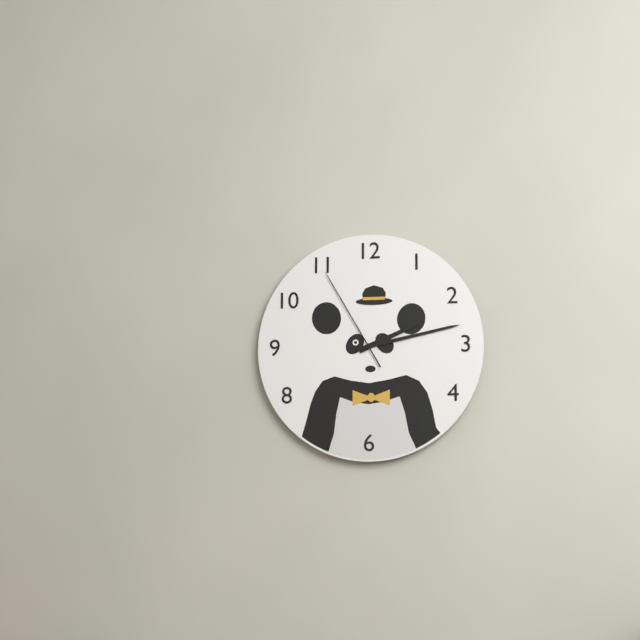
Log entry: {"hour": 2, "minute": 13, "second": 55}
